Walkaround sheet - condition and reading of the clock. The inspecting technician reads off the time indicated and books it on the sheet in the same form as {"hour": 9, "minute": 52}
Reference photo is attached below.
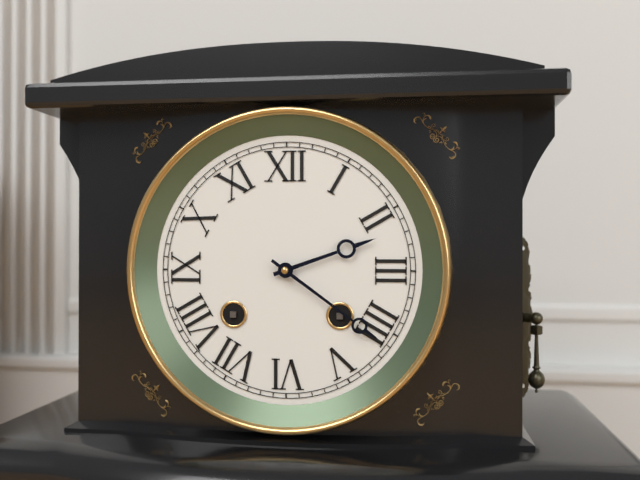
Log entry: {"hour": 2, "minute": 21}
